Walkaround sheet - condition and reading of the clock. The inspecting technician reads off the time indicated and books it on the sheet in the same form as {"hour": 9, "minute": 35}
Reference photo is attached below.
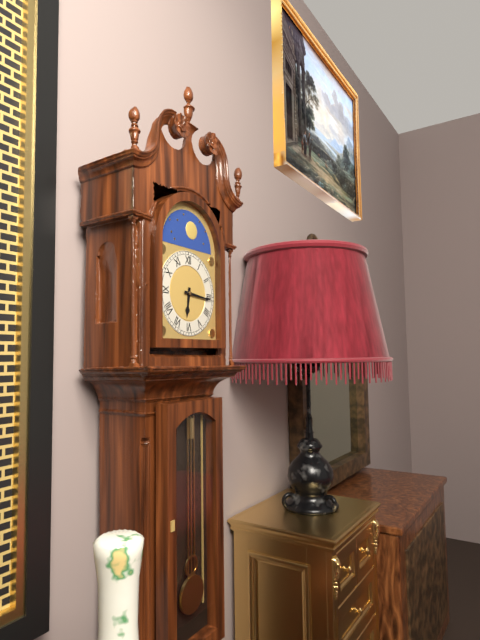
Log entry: {"hour": 6, "minute": 16}
